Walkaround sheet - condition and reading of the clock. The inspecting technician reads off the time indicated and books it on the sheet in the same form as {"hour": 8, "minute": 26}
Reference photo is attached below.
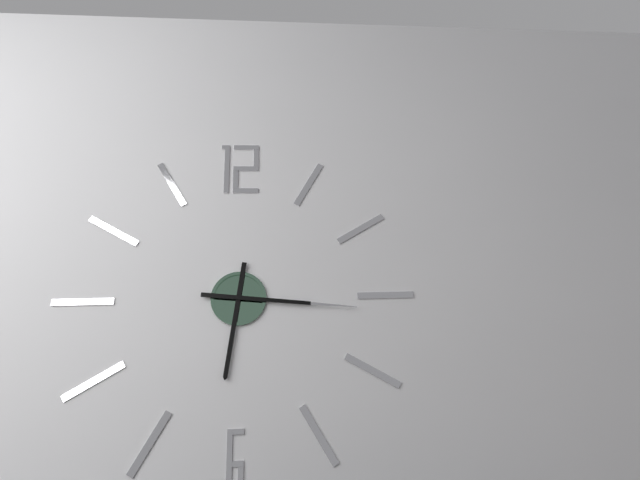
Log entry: {"hour": 6, "minute": 16}
